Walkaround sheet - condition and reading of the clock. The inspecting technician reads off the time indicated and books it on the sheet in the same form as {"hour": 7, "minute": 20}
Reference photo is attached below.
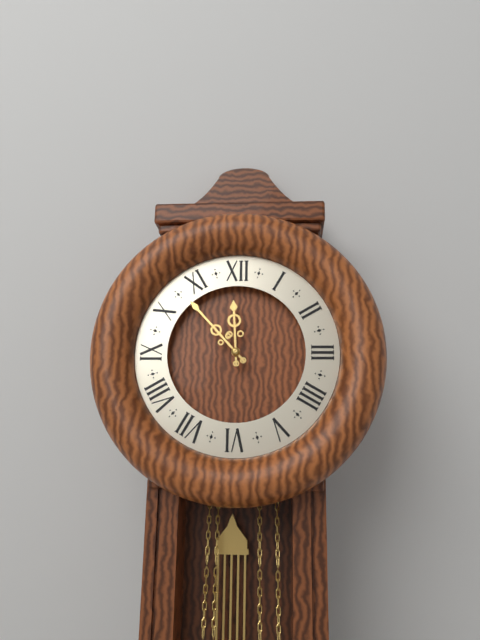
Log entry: {"hour": 11, "minute": 53}
